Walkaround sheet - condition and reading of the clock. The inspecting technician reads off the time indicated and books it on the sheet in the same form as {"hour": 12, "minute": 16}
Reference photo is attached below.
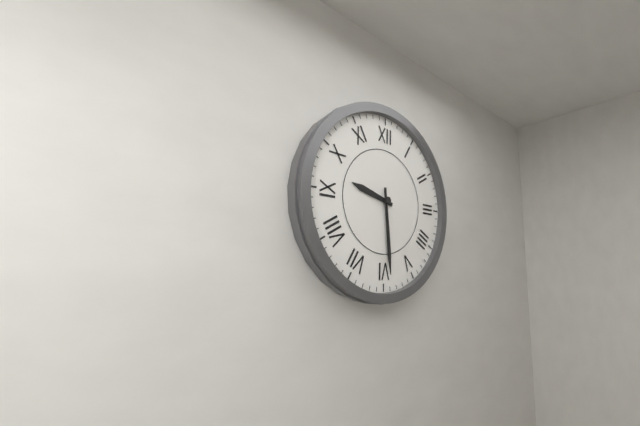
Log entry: {"hour": 9, "minute": 29}
